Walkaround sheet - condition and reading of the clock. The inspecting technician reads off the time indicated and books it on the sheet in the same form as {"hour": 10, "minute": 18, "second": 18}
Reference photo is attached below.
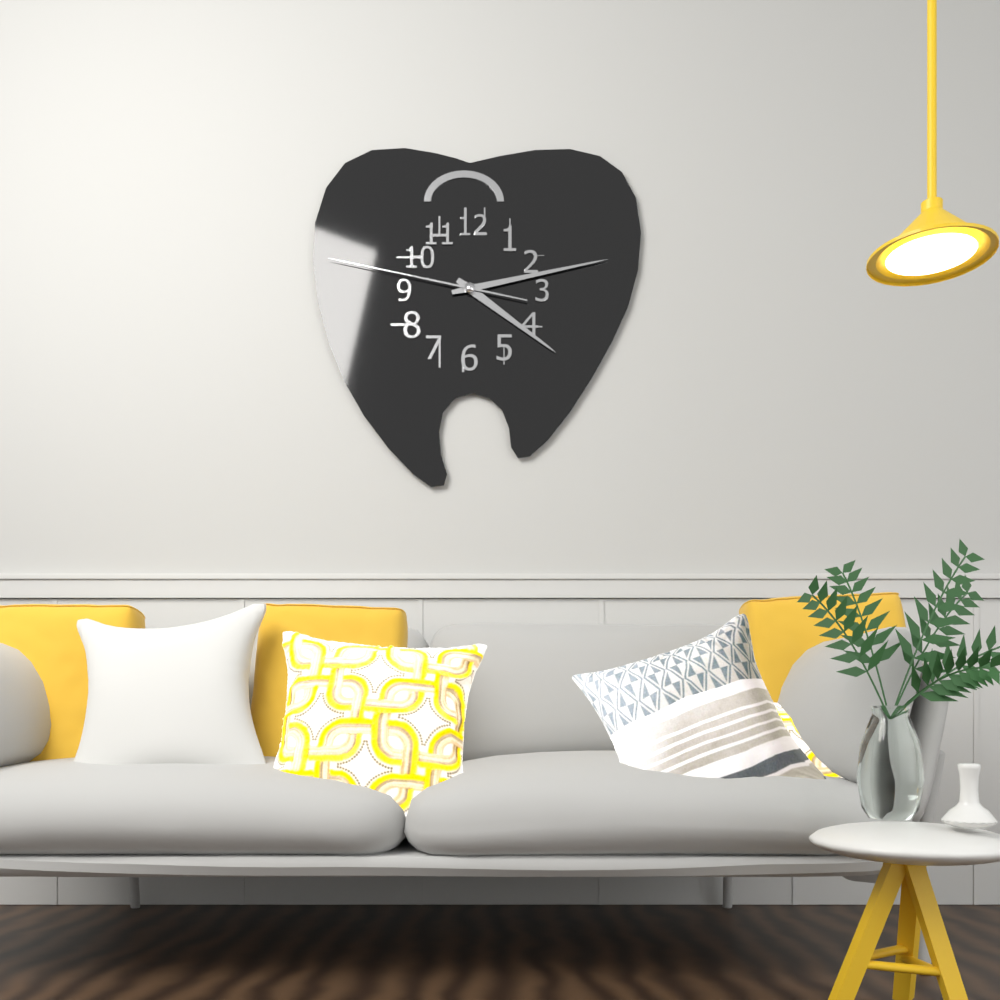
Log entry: {"hour": 4, "minute": 13, "second": 47}
